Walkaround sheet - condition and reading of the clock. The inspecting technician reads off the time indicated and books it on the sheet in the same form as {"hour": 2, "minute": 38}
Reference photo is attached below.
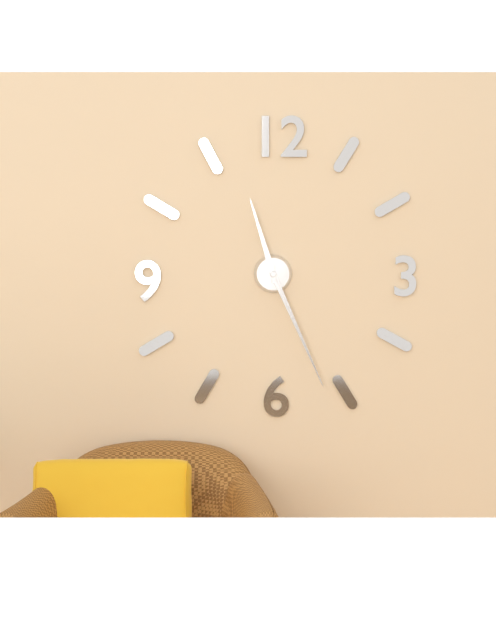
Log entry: {"hour": 11, "minute": 26}
